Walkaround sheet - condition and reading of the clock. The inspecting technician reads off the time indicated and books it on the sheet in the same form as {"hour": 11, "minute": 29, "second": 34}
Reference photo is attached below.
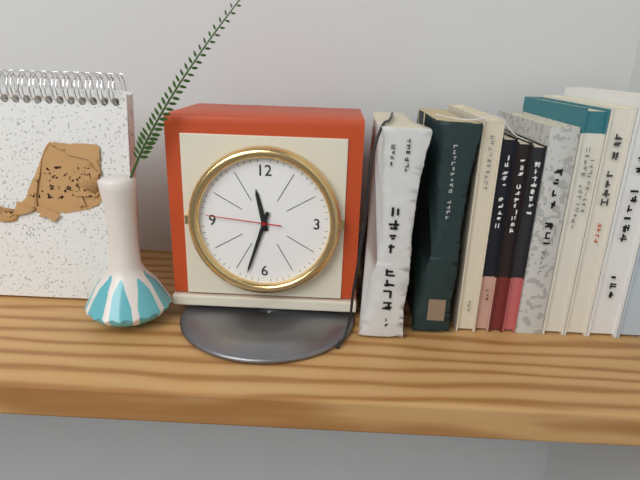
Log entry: {"hour": 11, "minute": 33, "second": 46}
